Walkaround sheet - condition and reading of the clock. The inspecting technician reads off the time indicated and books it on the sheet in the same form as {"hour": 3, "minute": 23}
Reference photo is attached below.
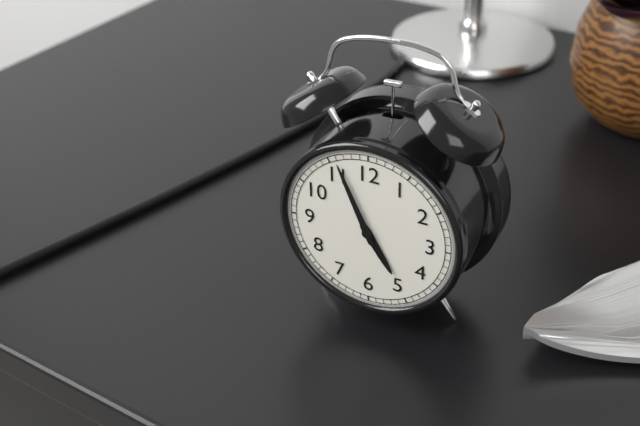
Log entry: {"hour": 4, "minute": 56}
